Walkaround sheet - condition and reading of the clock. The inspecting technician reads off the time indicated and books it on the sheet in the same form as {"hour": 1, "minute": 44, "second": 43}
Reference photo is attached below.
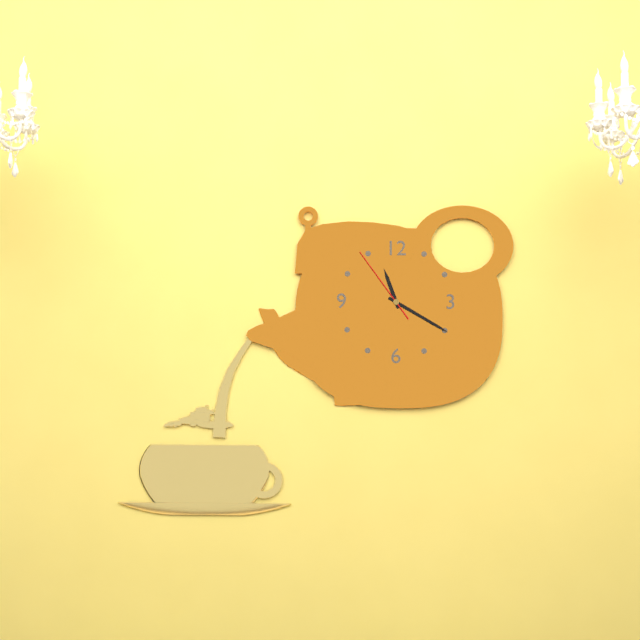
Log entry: {"hour": 11, "minute": 20, "second": 54}
